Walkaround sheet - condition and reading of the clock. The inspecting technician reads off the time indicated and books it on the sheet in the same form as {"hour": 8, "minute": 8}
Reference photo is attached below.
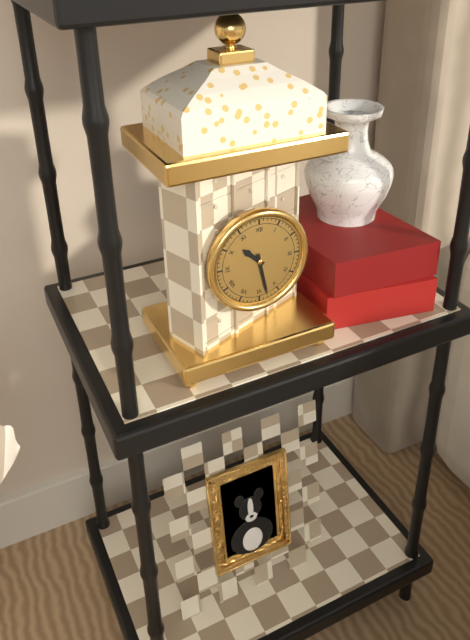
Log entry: {"hour": 10, "minute": 28}
